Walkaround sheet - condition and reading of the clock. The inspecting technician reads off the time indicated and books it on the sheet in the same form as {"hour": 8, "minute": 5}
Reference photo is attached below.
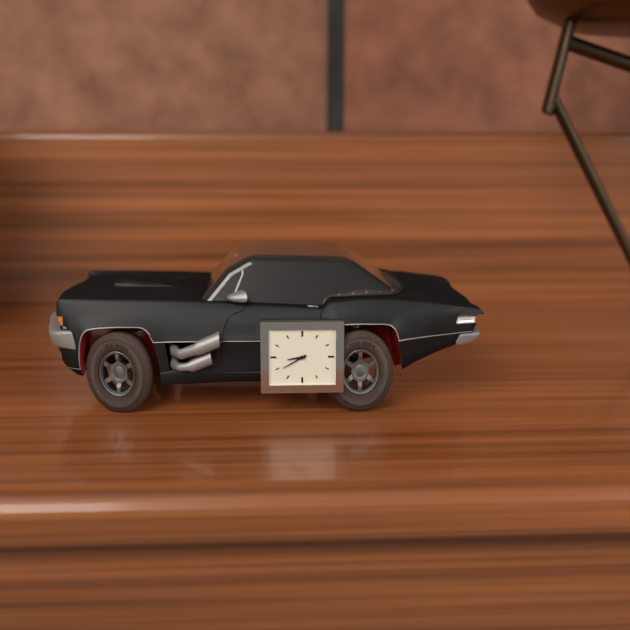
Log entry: {"hour": 8, "minute": 40}
